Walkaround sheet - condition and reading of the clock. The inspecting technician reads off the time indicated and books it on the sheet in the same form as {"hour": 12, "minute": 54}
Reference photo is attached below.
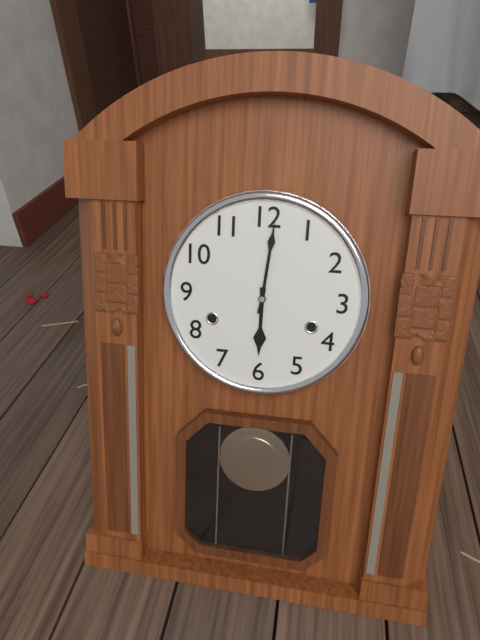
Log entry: {"hour": 6, "minute": 1}
